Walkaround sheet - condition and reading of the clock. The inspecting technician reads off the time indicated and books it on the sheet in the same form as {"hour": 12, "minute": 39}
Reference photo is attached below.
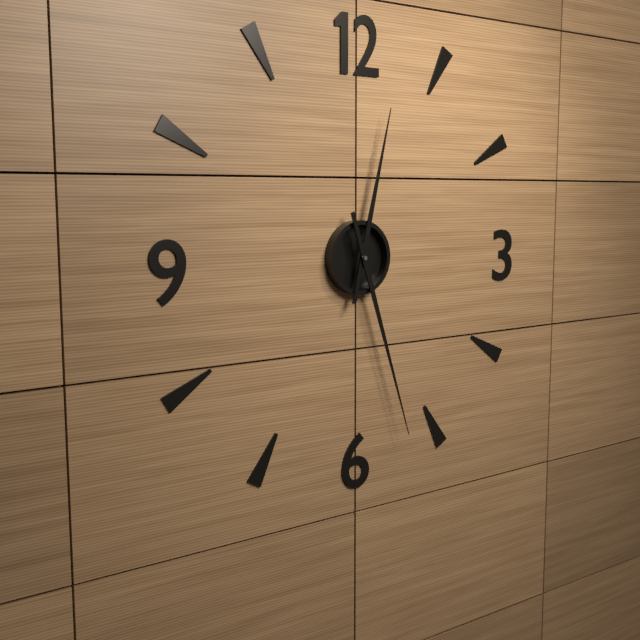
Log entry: {"hour": 12, "minute": 27}
